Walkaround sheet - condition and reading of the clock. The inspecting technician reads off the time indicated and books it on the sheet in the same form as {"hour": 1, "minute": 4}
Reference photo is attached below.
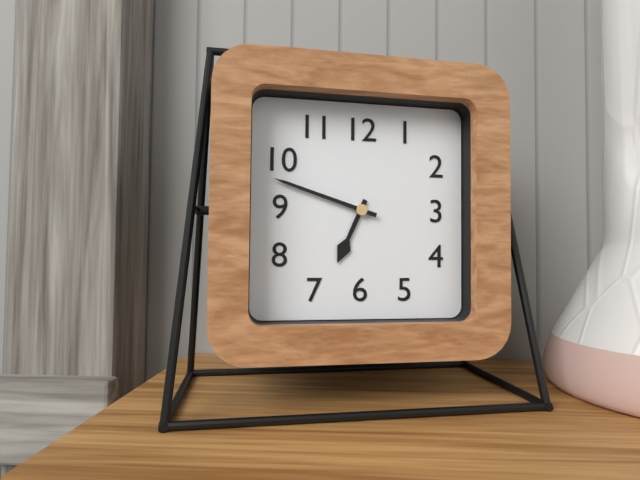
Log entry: {"hour": 6, "minute": 48}
